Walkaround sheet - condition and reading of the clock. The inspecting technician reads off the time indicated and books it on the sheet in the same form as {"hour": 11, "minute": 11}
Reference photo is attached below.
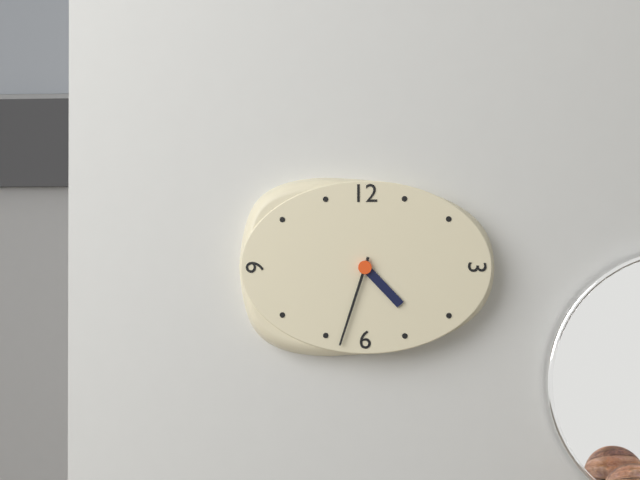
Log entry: {"hour": 4, "minute": 33}
